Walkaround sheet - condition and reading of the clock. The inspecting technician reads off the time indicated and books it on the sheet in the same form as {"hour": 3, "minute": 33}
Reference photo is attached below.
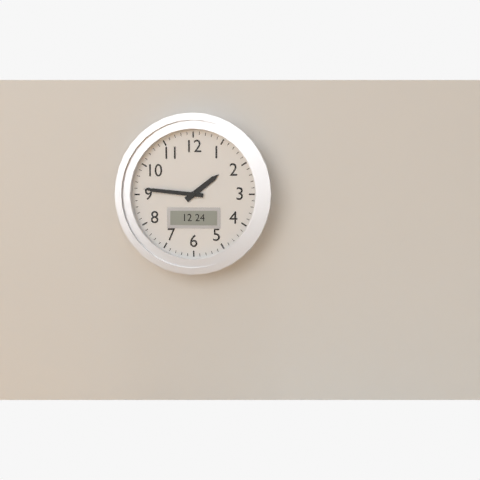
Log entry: {"hour": 1, "minute": 46}
